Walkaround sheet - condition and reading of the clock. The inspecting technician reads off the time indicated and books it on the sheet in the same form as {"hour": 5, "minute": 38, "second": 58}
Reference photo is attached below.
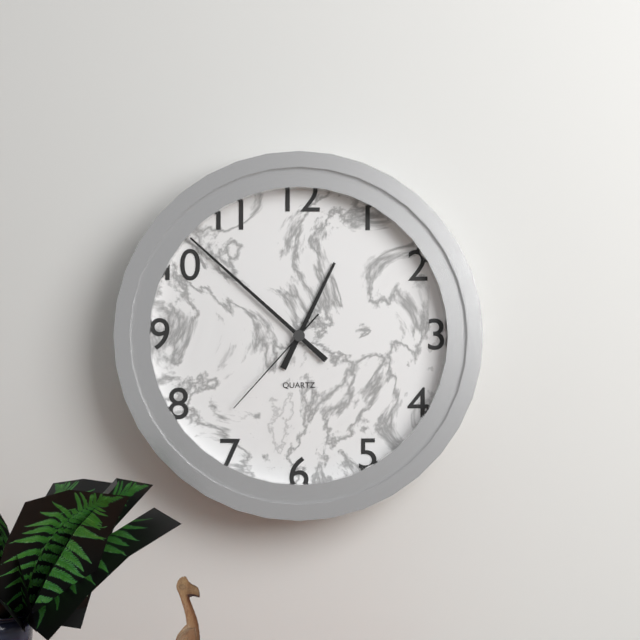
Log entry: {"hour": 12, "minute": 52, "second": 37}
